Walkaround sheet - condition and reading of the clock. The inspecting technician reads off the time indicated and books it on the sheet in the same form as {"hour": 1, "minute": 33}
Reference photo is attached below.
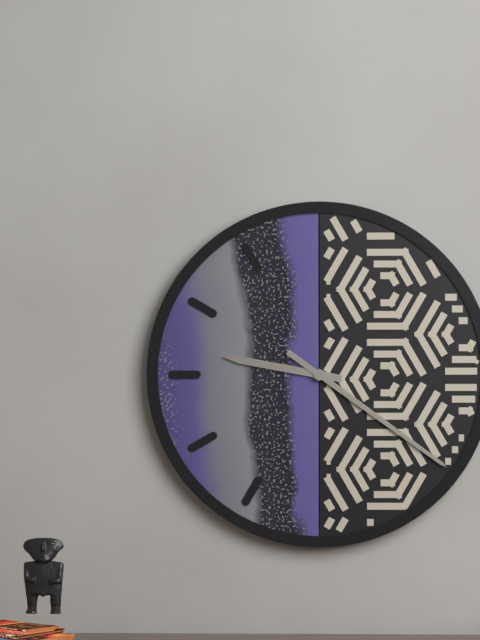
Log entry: {"hour": 9, "minute": 21}
